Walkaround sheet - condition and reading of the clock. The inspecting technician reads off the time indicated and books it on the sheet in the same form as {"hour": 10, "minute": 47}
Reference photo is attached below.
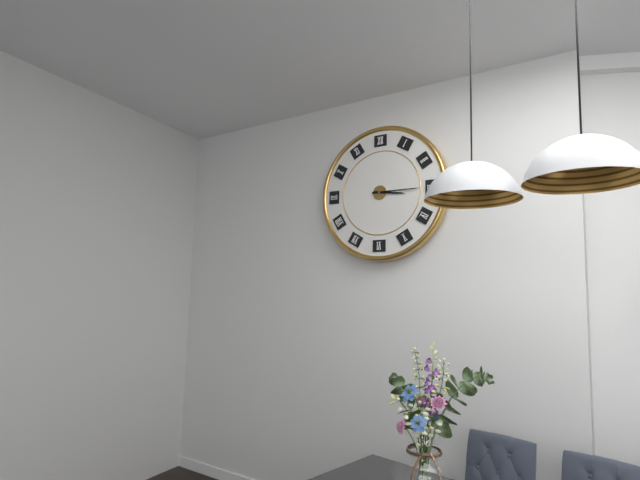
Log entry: {"hour": 3, "minute": 15}
